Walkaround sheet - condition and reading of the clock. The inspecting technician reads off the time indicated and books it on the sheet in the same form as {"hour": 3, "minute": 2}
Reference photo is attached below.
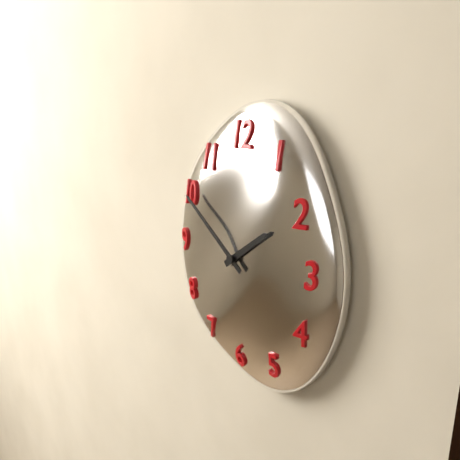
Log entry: {"hour": 1, "minute": 51}
